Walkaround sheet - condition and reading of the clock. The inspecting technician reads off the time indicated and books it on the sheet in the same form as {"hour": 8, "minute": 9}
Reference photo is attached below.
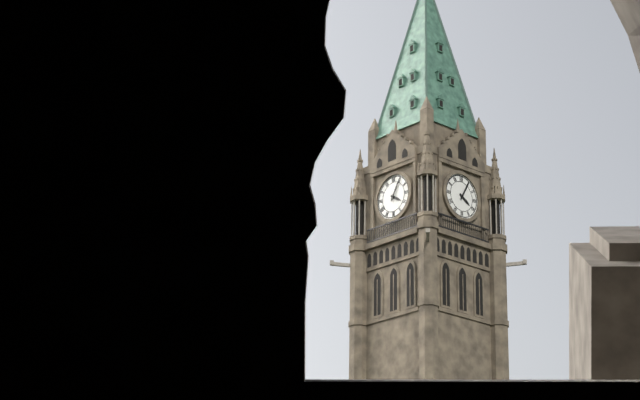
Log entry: {"hour": 4, "minute": 5}
